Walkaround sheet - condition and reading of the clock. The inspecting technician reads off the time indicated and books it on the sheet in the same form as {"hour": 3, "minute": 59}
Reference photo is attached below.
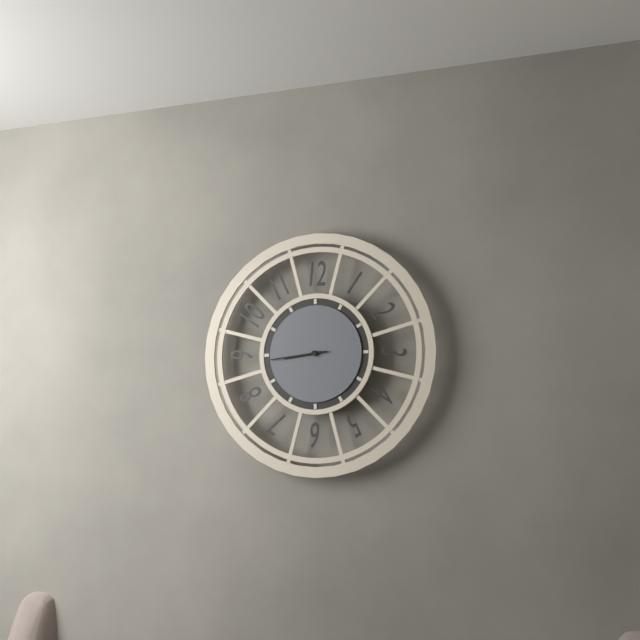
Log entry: {"hour": 8, "minute": 44}
